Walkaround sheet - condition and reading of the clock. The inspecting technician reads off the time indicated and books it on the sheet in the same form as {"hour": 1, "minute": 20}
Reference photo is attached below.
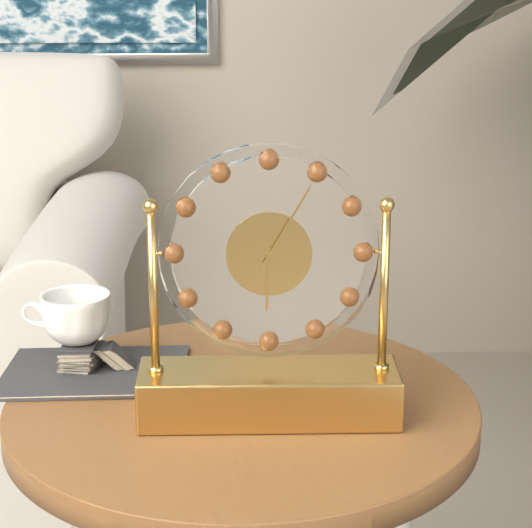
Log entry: {"hour": 6, "minute": 5}
